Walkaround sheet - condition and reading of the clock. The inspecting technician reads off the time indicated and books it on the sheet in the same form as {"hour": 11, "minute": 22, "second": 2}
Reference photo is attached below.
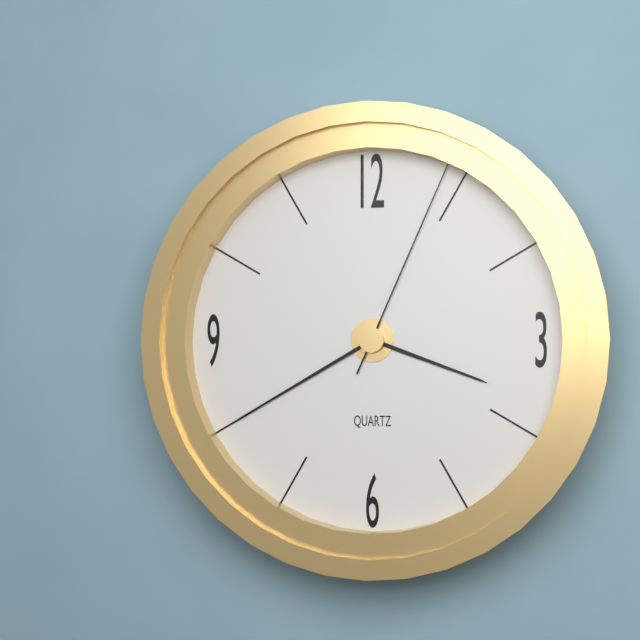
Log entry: {"hour": 3, "minute": 40, "second": 4}
